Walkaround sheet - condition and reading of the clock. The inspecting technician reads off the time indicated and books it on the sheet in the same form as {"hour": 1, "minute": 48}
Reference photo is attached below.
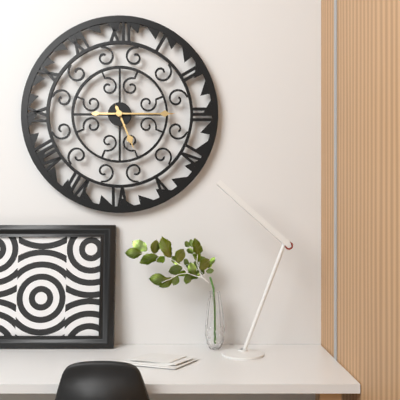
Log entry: {"hour": 5, "minute": 15}
